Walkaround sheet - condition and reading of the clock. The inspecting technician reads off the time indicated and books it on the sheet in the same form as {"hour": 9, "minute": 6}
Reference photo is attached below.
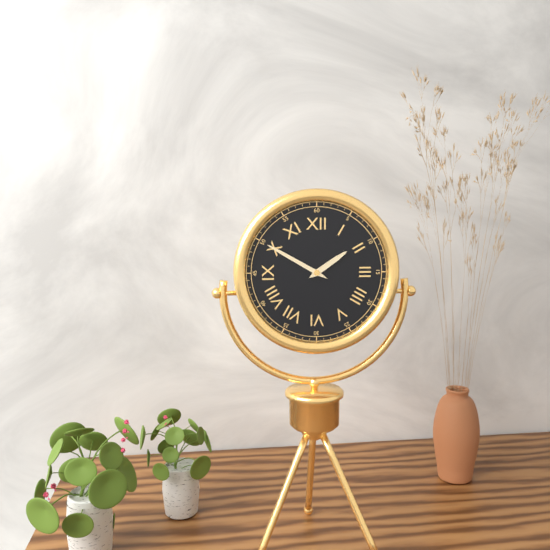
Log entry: {"hour": 1, "minute": 50}
